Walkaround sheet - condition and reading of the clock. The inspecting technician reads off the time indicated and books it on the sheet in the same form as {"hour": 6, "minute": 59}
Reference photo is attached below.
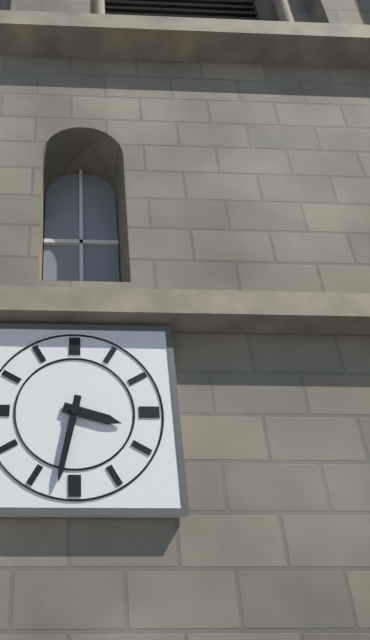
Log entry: {"hour": 3, "minute": 32}
